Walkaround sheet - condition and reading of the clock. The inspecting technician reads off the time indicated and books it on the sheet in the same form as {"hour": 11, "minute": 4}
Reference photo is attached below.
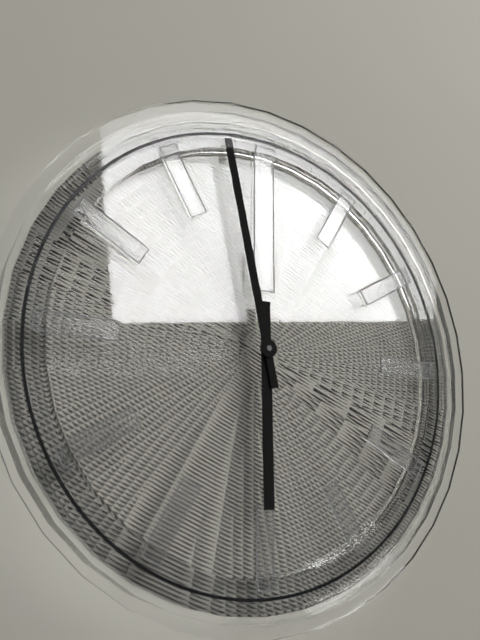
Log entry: {"hour": 5, "minute": 58}
